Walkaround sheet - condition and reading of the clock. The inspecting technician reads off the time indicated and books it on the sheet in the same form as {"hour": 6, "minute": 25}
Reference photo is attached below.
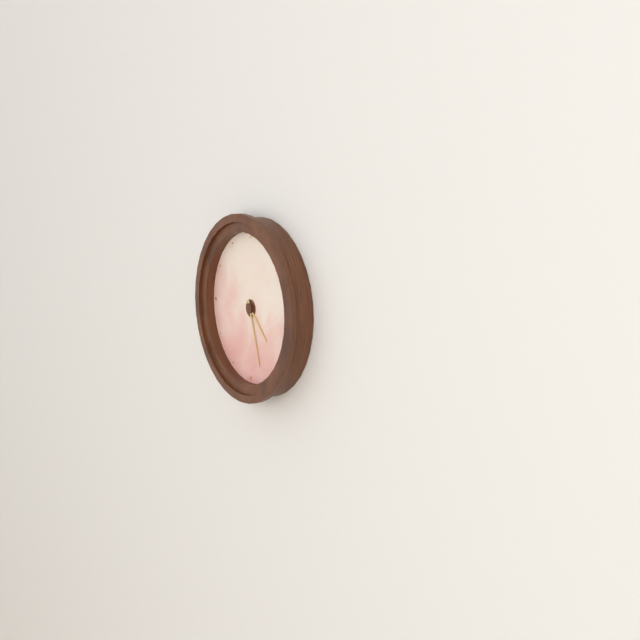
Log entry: {"hour": 4, "minute": 27}
